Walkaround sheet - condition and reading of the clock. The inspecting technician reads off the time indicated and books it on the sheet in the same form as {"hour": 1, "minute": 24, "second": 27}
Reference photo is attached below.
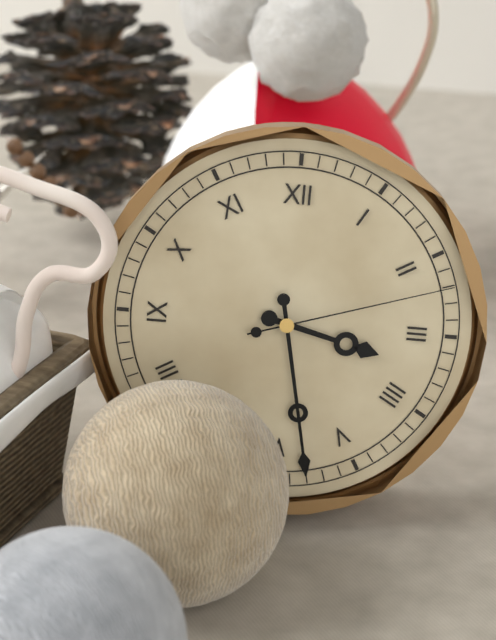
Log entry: {"hour": 3, "minute": 28, "second": 12}
